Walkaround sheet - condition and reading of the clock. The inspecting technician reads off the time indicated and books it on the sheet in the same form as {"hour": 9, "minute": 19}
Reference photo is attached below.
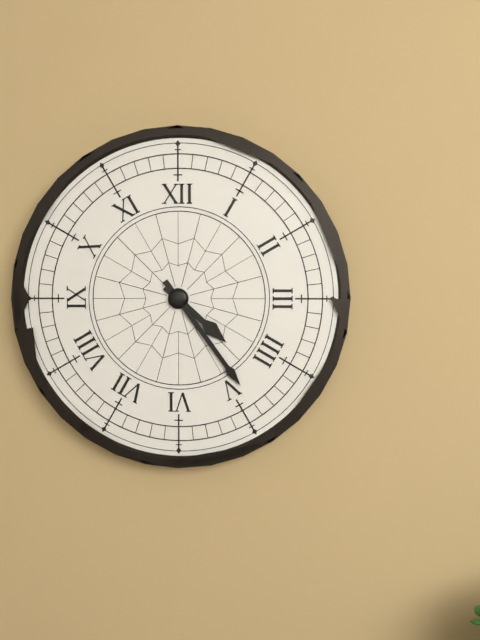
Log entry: {"hour": 4, "minute": 24}
